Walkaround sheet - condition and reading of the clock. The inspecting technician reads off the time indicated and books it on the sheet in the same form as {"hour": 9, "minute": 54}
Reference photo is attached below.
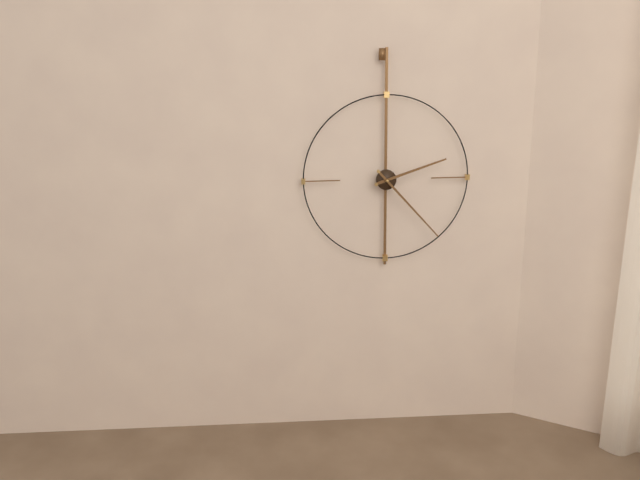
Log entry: {"hour": 2, "minute": 23}
